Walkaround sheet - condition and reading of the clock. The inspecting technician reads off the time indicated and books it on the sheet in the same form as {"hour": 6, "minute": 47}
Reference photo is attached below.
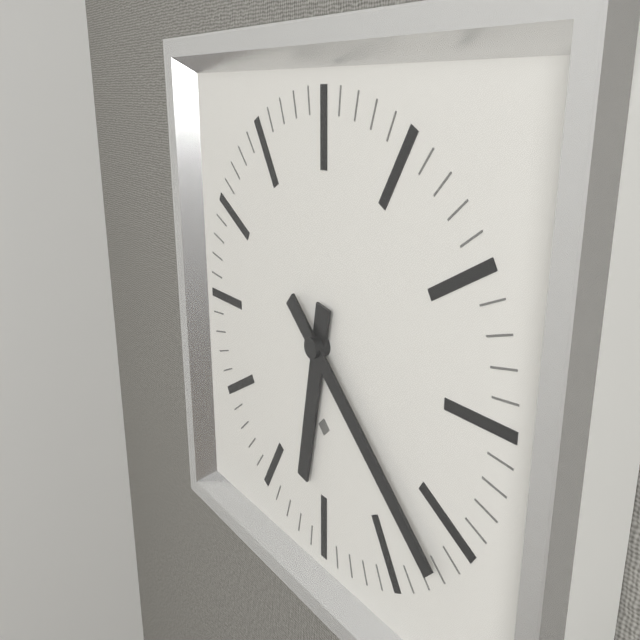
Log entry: {"hour": 6, "minute": 22}
